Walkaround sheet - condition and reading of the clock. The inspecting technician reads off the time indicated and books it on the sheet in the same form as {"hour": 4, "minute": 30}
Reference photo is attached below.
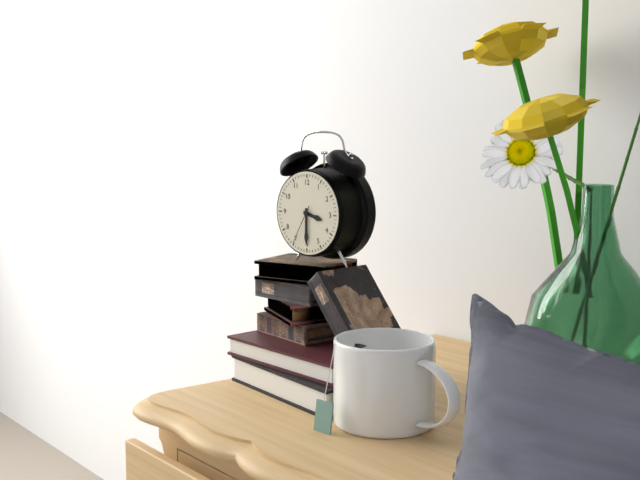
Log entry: {"hour": 3, "minute": 30}
